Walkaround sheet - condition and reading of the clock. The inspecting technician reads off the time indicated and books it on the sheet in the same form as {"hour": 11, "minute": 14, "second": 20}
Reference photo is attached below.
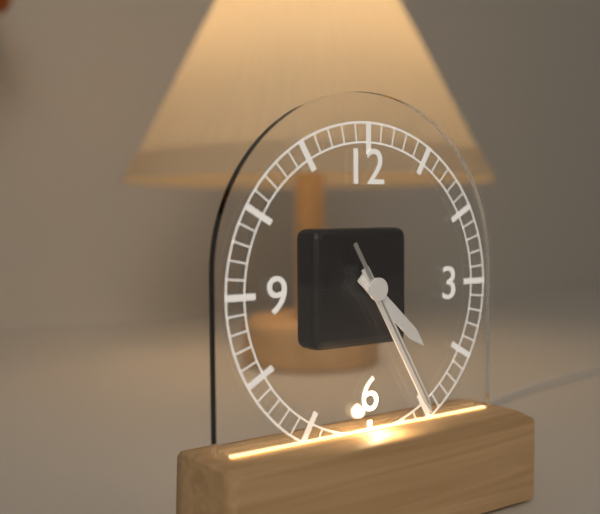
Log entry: {"hour": 4, "minute": 25, "second": 25}
